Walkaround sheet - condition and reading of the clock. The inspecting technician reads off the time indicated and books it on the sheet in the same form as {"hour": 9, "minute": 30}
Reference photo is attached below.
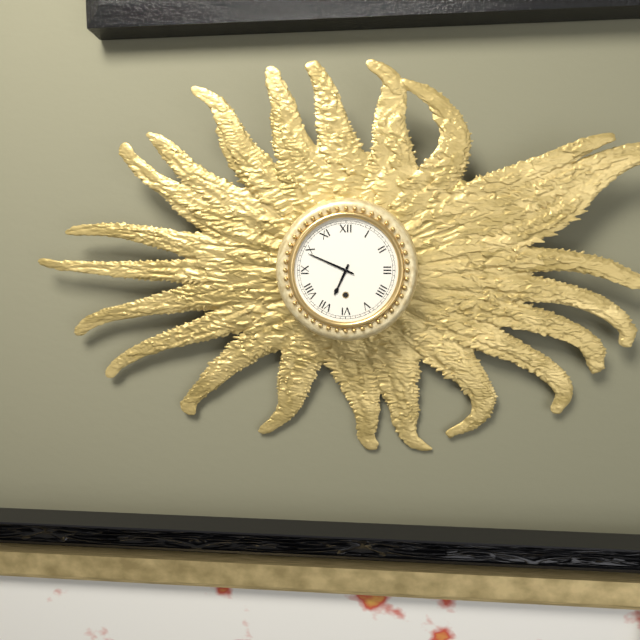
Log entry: {"hour": 6, "minute": 49}
